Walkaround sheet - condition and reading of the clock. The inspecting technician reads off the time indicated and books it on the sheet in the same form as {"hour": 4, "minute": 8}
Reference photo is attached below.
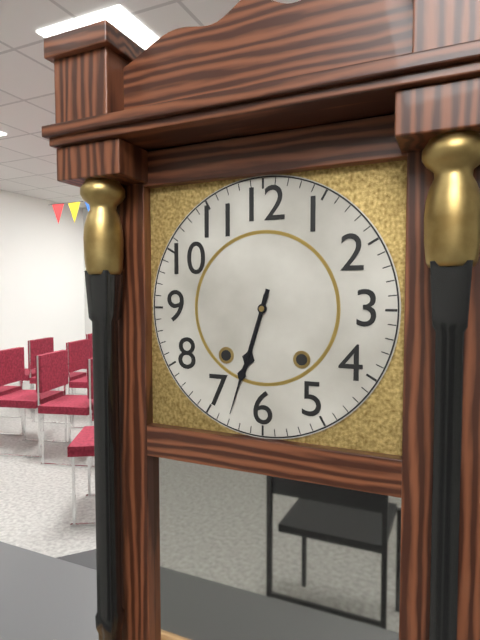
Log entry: {"hour": 6, "minute": 33}
